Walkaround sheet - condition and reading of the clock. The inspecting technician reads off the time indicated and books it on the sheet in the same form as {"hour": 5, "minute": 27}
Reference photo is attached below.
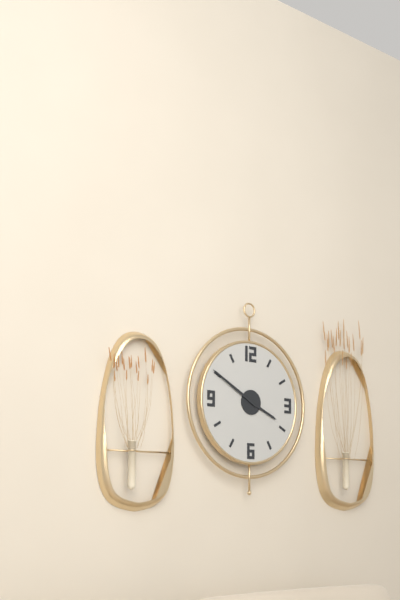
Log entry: {"hour": 3, "minute": 50}
